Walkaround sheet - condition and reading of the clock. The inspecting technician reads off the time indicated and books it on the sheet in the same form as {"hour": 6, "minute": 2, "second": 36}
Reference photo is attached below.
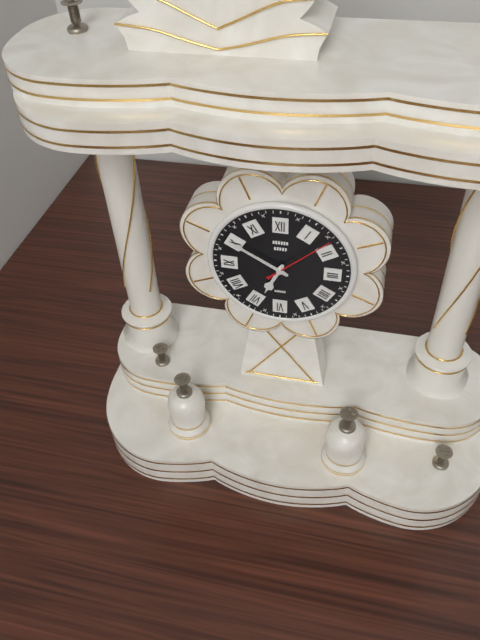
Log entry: {"hour": 6, "minute": 50, "second": 8}
